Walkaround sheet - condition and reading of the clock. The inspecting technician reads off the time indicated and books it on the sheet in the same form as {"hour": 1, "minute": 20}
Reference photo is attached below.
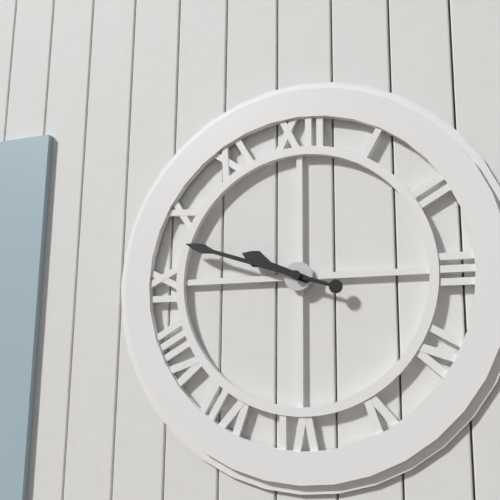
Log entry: {"hour": 9, "minute": 48}
